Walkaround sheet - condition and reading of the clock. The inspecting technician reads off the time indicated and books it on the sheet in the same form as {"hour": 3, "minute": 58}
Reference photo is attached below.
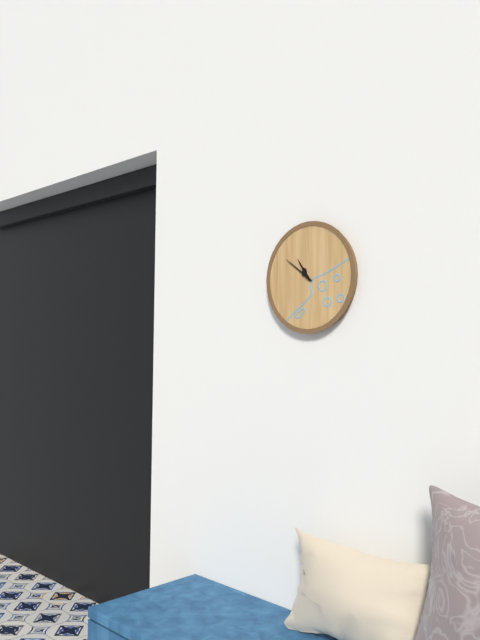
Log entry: {"hour": 10, "minute": 51}
